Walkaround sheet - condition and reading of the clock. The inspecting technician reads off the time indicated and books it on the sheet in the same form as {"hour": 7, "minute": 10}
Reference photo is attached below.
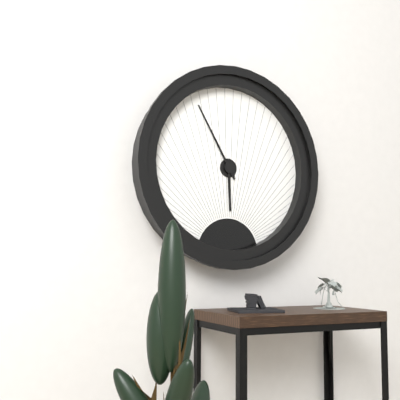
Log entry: {"hour": 5, "minute": 55}
